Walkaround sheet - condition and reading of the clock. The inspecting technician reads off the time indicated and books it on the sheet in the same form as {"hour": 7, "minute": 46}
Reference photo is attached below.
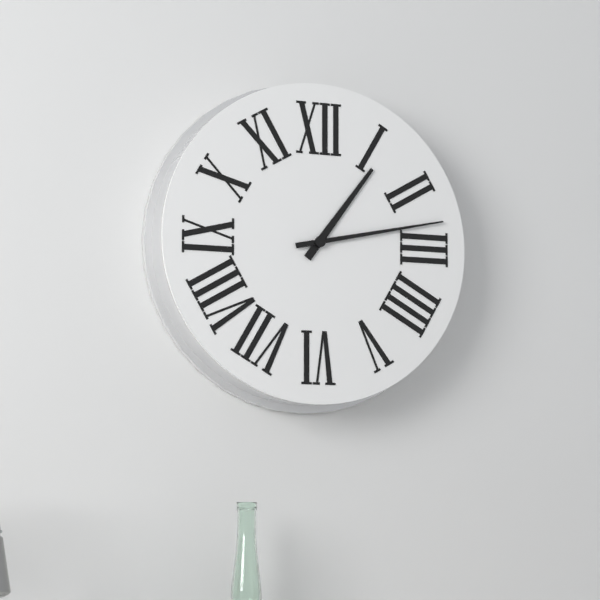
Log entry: {"hour": 1, "minute": 13}
